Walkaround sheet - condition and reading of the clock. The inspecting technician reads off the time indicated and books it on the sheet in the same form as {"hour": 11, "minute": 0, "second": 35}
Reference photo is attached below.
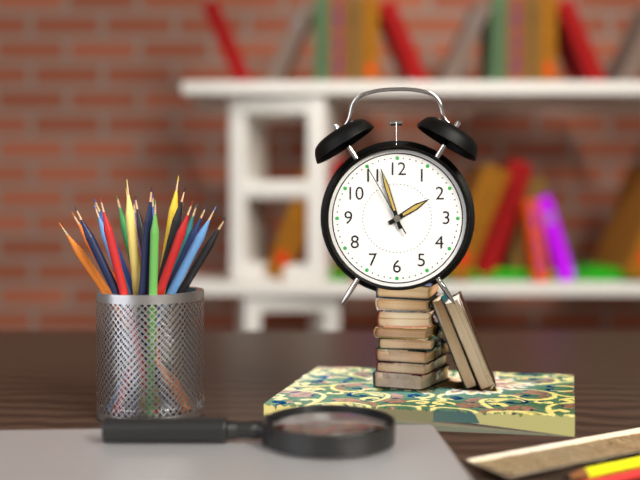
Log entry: {"hour": 1, "minute": 57, "second": 55}
